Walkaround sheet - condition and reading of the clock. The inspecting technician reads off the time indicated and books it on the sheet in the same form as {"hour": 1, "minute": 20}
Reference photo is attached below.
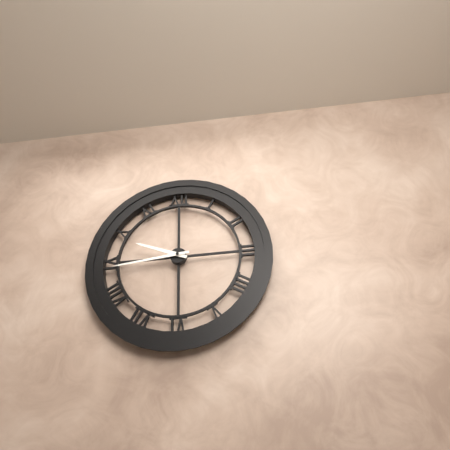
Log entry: {"hour": 9, "minute": 44}
